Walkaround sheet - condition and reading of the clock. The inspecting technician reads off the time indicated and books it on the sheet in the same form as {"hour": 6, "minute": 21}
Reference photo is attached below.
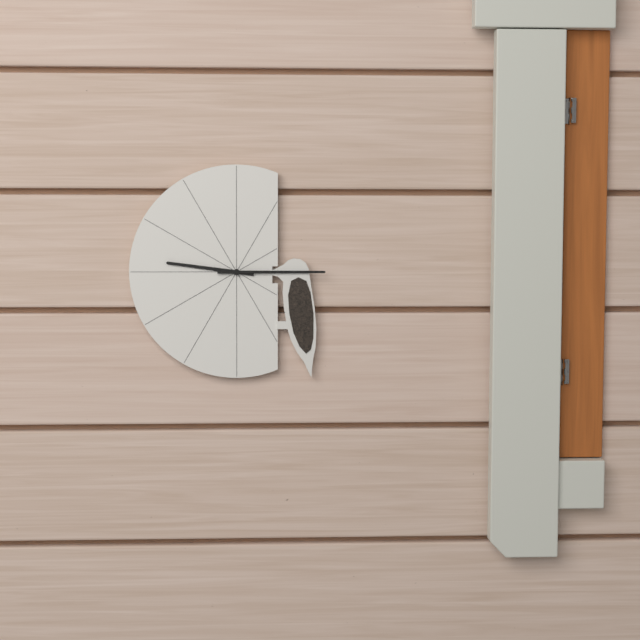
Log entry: {"hour": 9, "minute": 15}
